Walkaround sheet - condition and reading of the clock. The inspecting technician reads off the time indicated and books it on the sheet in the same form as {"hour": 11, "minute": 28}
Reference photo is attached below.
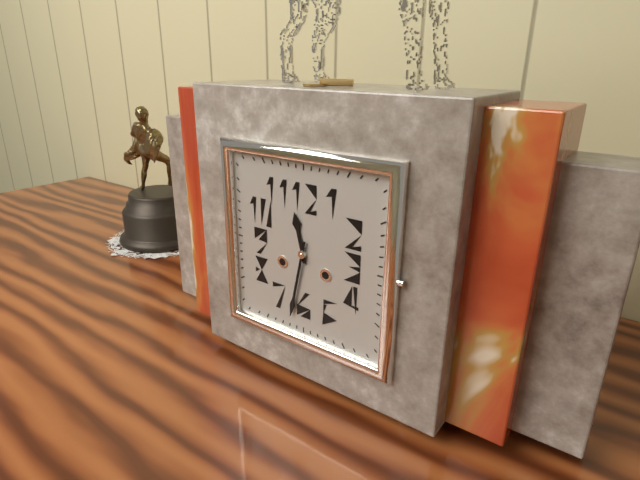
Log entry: {"hour": 11, "minute": 32}
